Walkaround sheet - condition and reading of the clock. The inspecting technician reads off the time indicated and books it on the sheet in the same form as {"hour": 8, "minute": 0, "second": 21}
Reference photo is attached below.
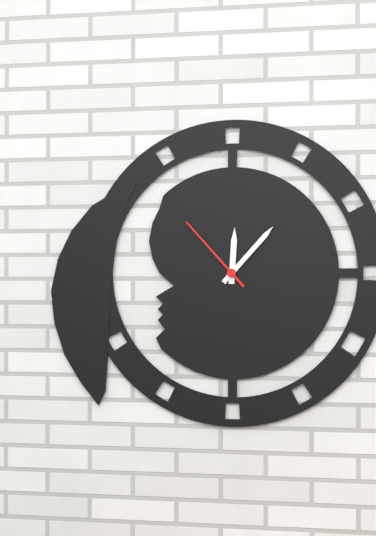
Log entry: {"hour": 12, "minute": 7, "second": 53}
